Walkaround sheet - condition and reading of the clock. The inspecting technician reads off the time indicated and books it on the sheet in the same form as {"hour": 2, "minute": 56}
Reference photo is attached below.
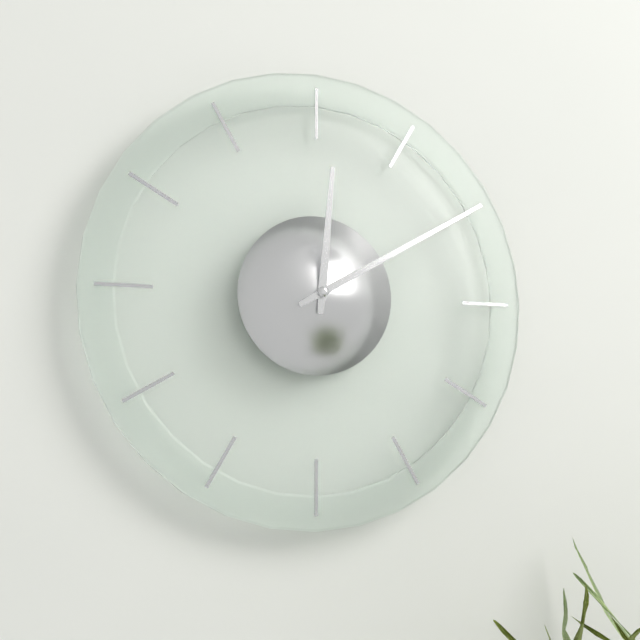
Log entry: {"hour": 12, "minute": 10}
